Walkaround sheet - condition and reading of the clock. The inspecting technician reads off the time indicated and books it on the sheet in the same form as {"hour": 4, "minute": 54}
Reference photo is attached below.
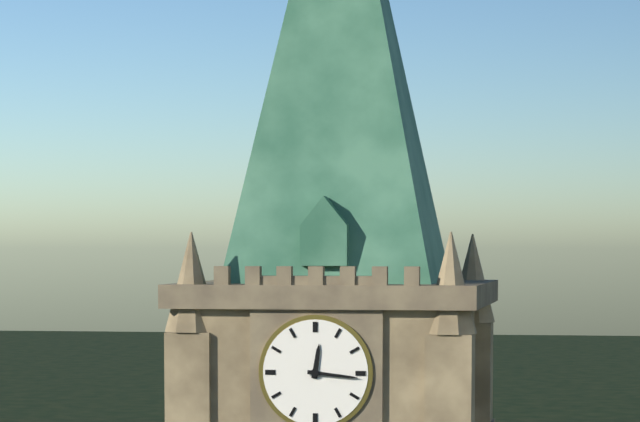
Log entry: {"hour": 12, "minute": 16}
